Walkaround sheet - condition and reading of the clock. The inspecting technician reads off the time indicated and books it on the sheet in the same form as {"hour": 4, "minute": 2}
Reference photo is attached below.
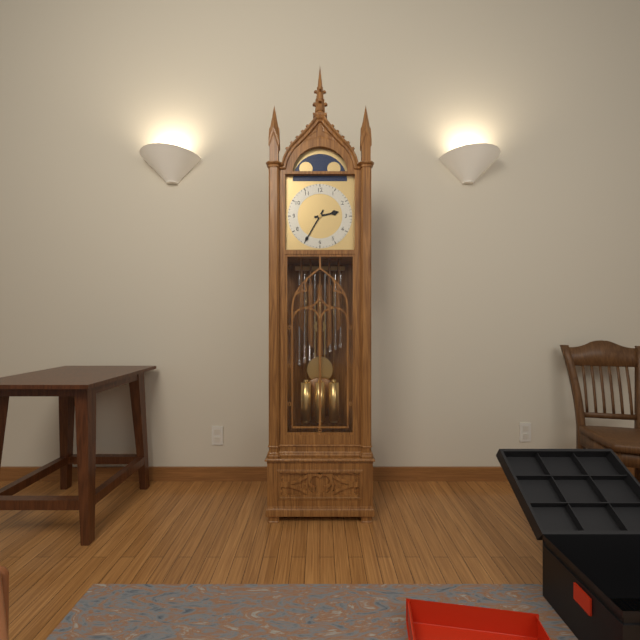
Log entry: {"hour": 2, "minute": 35}
